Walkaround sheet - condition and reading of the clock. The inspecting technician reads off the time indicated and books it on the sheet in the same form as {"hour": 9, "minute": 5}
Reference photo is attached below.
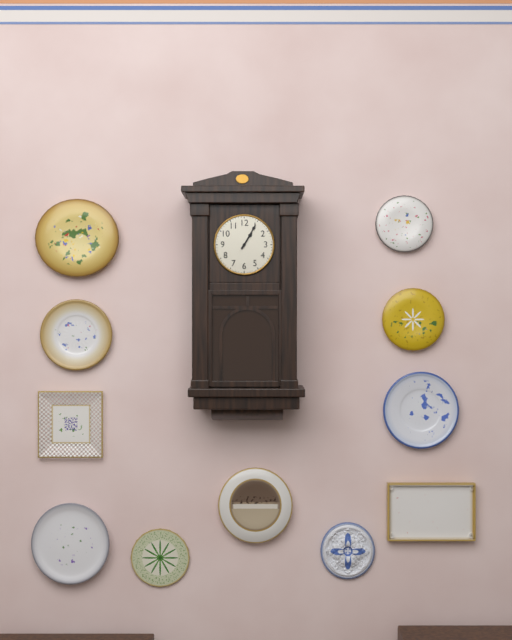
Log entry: {"hour": 1, "minute": 5}
